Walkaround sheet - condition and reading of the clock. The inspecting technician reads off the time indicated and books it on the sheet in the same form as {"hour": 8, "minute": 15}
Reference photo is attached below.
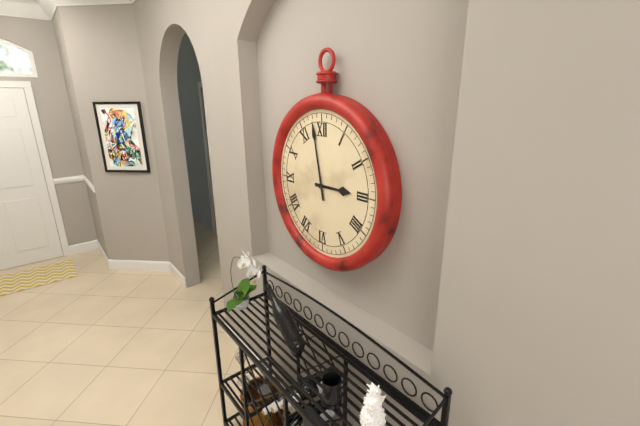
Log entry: {"hour": 2, "minute": 58}
